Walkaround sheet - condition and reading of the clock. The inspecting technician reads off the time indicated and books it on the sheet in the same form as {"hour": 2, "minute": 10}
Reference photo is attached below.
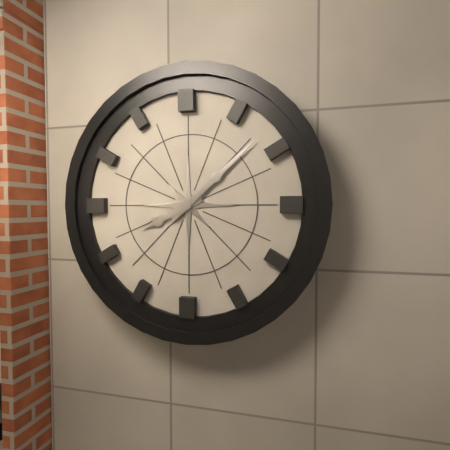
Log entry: {"hour": 8, "minute": 8}
